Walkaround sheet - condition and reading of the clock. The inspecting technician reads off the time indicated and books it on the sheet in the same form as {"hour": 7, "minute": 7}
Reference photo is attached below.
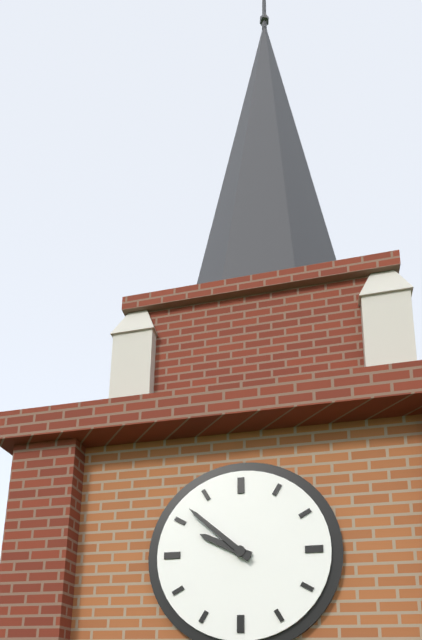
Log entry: {"hour": 9, "minute": 52}
